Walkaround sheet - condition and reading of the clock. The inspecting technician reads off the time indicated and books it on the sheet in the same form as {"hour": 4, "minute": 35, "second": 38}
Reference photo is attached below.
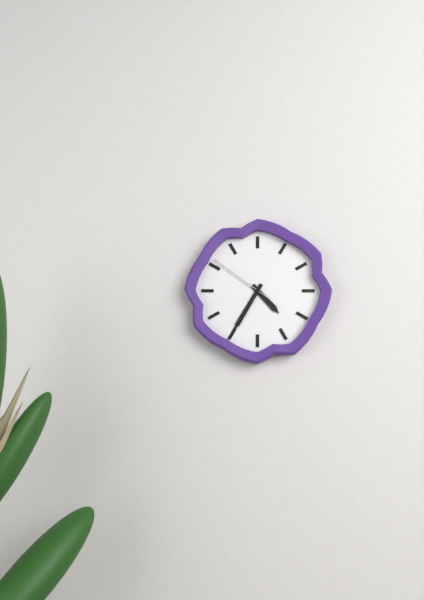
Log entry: {"hour": 4, "minute": 35, "second": 51}
